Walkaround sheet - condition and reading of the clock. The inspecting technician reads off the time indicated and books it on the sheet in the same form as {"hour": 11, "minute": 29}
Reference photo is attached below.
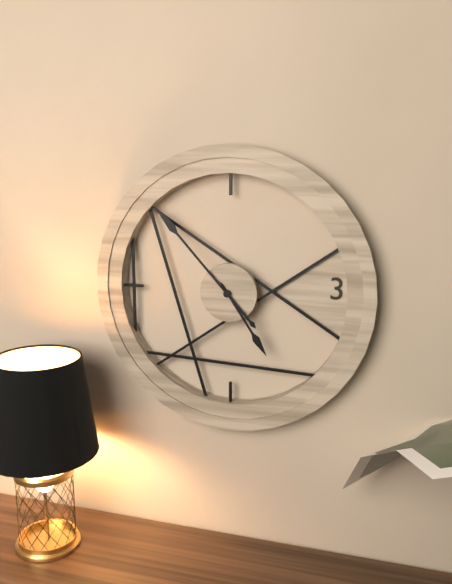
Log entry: {"hour": 4, "minute": 53}
